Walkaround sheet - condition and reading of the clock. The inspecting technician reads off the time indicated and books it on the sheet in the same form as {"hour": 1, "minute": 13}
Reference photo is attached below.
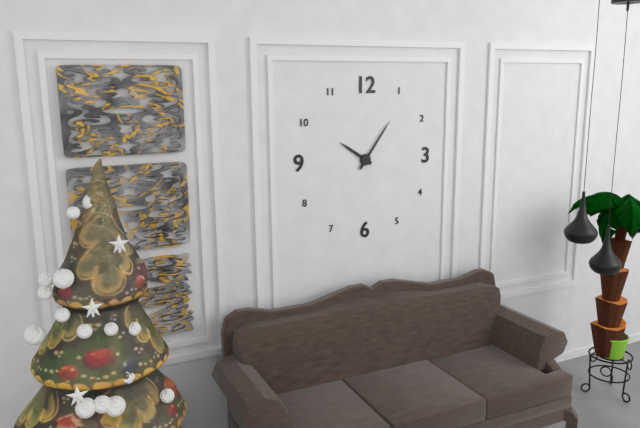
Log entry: {"hour": 10, "minute": 6}
